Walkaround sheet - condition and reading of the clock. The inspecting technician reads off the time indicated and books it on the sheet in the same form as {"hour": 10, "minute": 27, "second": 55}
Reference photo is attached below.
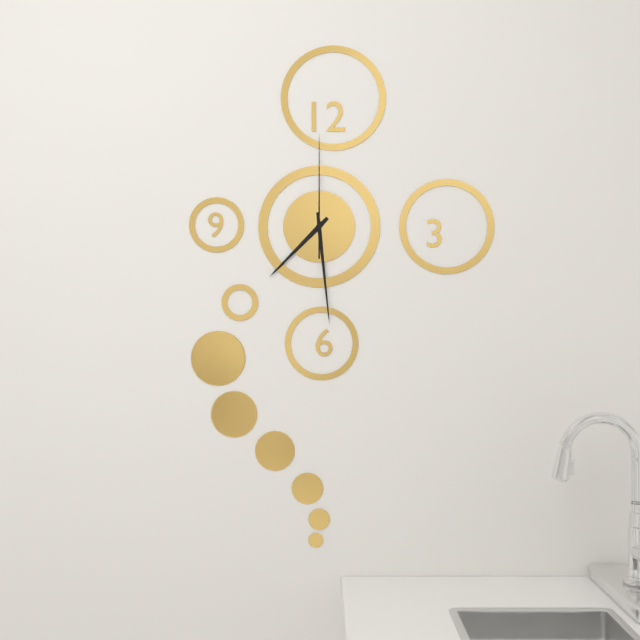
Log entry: {"hour": 7, "minute": 29, "second": 0}
